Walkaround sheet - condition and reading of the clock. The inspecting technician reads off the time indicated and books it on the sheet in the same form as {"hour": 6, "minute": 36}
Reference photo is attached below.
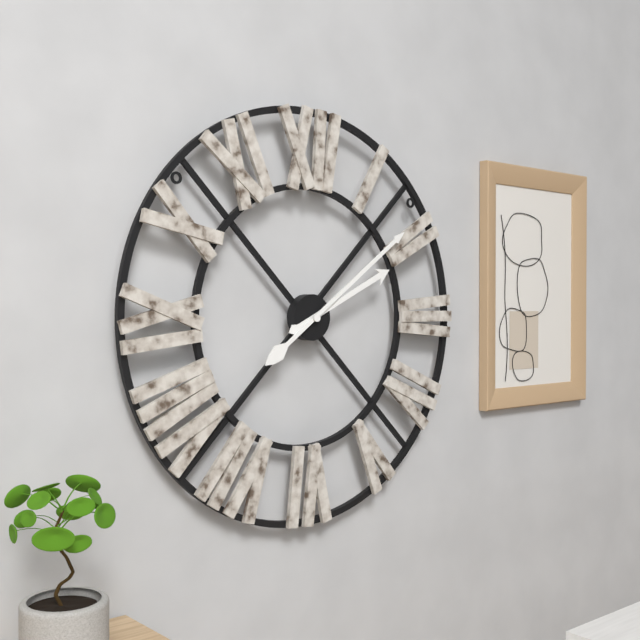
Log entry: {"hour": 2, "minute": 9}
